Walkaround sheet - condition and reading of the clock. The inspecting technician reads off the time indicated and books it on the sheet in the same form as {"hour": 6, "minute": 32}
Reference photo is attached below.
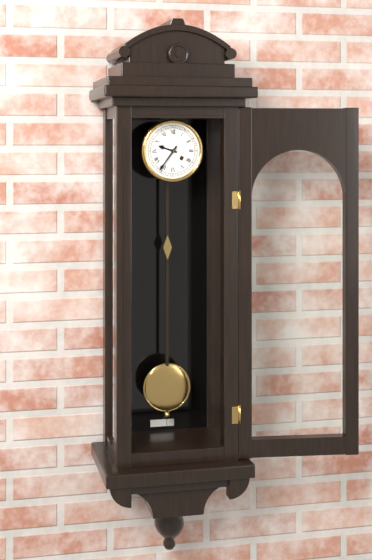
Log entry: {"hour": 9, "minute": 36}
